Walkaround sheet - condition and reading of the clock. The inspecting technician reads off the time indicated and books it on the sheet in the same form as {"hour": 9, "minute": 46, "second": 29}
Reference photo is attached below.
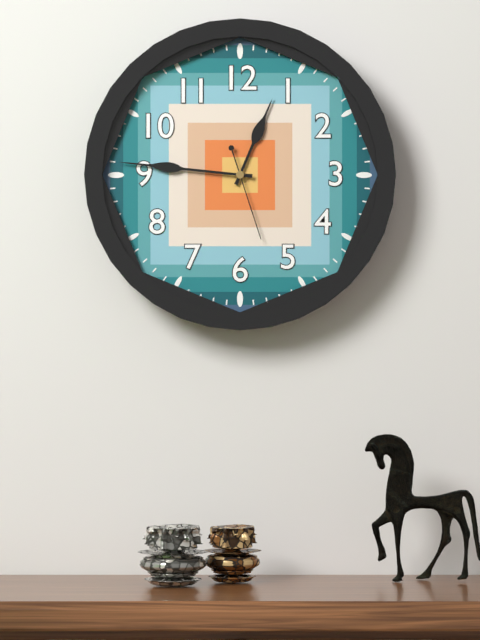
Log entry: {"hour": 12, "minute": 46, "second": 27}
